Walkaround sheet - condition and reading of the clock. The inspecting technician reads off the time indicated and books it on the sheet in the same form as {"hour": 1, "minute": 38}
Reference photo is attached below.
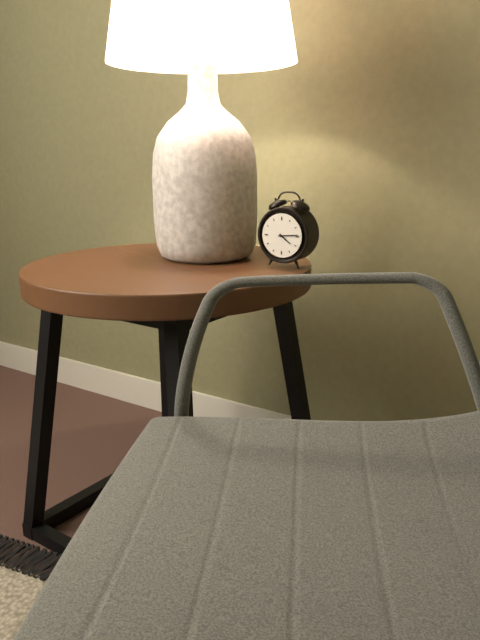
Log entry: {"hour": 4, "minute": 14}
